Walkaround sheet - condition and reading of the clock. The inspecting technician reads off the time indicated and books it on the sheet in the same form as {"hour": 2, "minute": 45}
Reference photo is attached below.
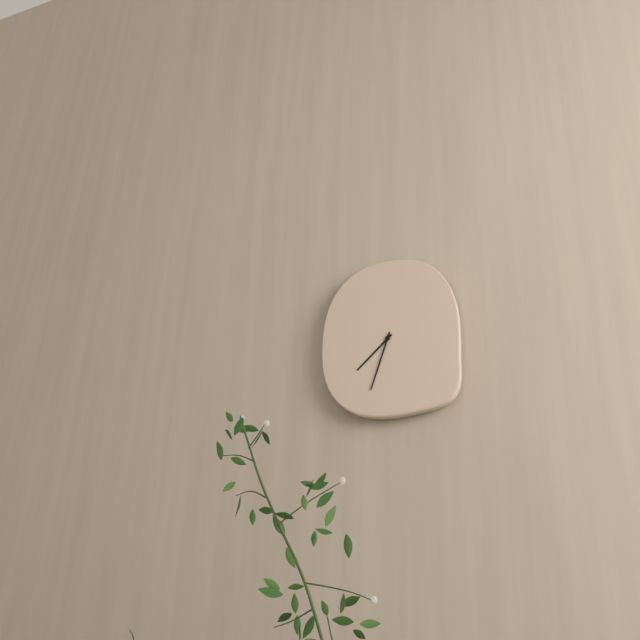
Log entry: {"hour": 7, "minute": 33}
